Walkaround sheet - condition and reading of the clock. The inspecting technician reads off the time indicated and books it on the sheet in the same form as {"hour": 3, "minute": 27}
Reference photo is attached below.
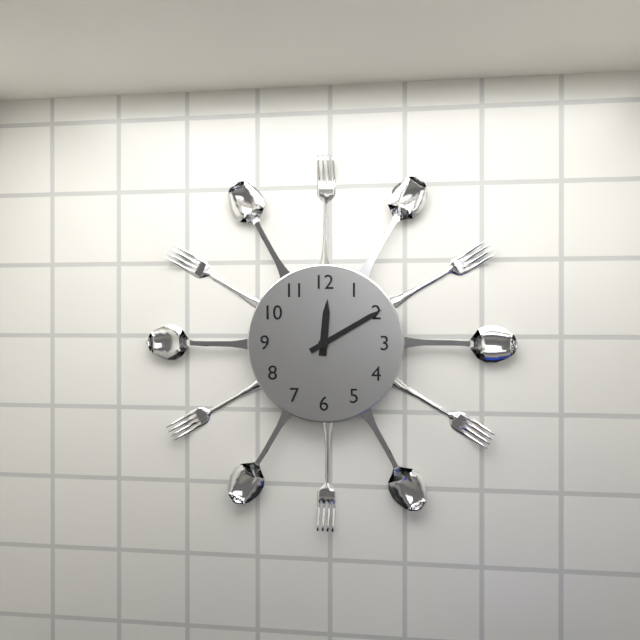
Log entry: {"hour": 12, "minute": 10}
